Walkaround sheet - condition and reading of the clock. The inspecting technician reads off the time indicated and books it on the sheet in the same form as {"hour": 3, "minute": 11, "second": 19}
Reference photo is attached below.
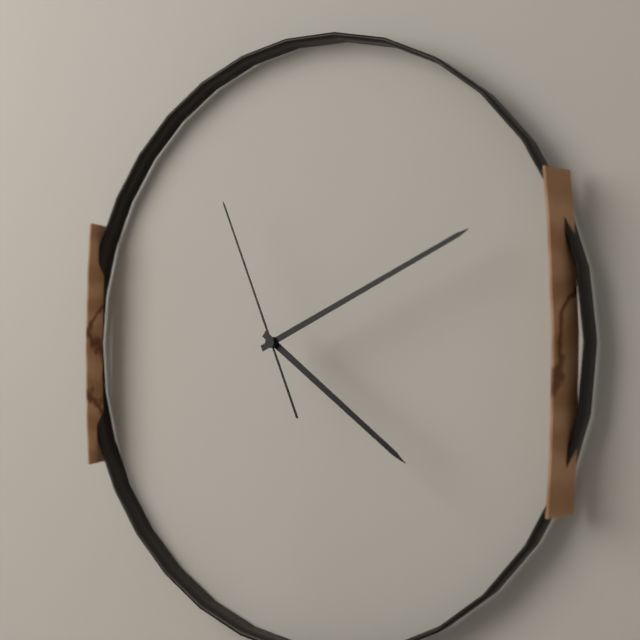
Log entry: {"hour": 4, "minute": 11, "second": 56}
